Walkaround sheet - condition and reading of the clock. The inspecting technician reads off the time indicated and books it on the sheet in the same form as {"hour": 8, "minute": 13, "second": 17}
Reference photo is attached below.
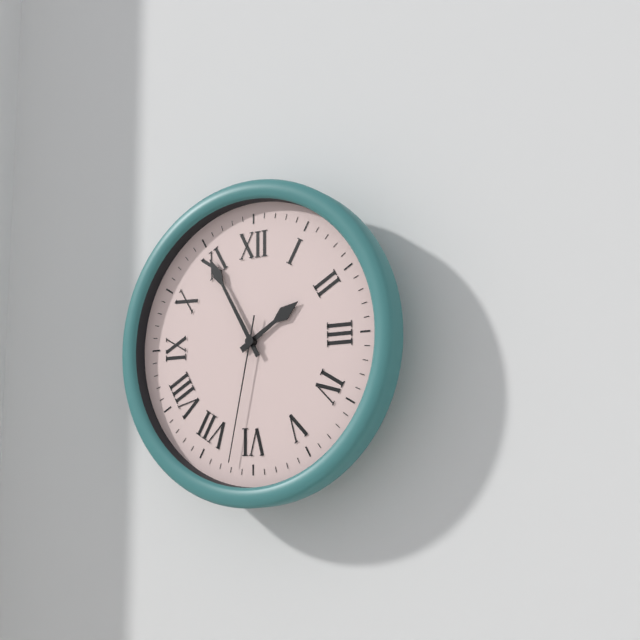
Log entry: {"hour": 1, "minute": 55, "second": 32}
